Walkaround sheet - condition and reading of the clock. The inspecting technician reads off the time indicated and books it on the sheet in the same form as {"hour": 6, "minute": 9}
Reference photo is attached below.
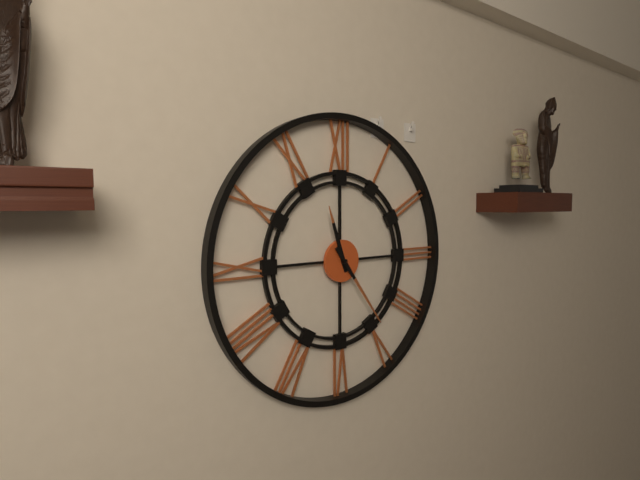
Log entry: {"hour": 11, "minute": 24}
